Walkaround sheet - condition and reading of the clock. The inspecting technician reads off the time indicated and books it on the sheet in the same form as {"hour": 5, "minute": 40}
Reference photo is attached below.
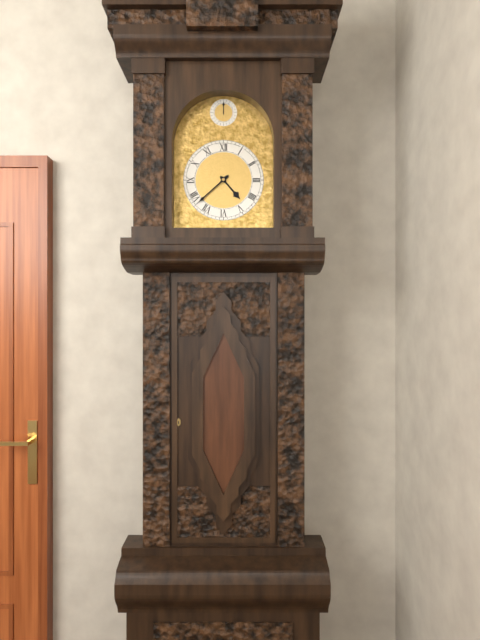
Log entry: {"hour": 4, "minute": 38}
